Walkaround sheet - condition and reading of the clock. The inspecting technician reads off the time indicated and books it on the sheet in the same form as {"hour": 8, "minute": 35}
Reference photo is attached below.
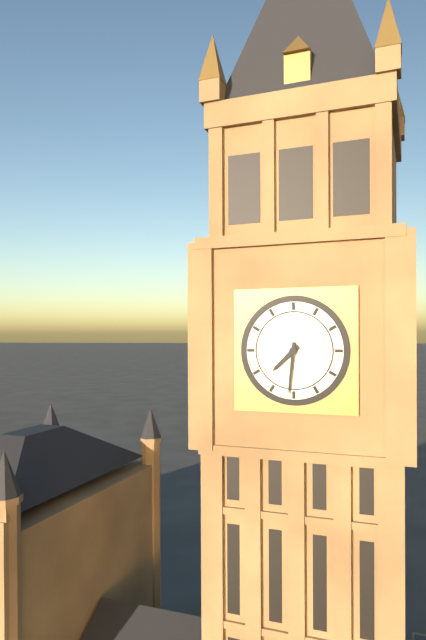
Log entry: {"hour": 7, "minute": 31}
